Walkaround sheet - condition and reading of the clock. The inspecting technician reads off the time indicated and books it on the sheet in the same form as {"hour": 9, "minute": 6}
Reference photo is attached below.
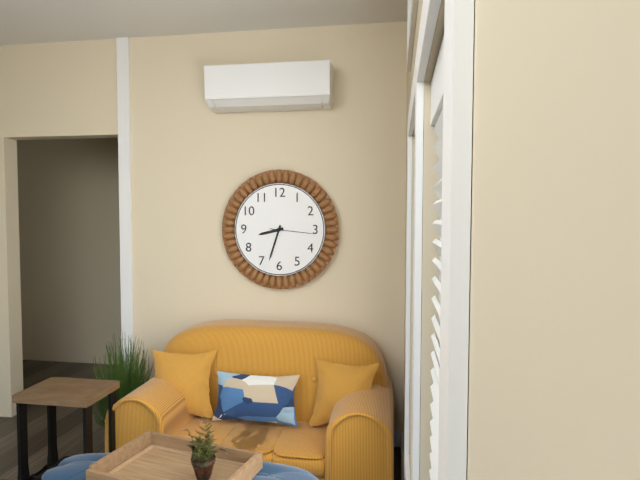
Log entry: {"hour": 8, "minute": 33}
